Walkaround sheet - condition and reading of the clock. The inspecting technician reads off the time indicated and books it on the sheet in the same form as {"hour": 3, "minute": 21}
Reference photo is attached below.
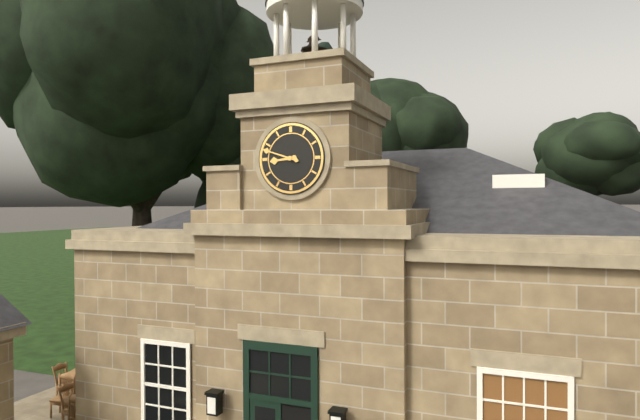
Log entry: {"hour": 8, "minute": 48}
